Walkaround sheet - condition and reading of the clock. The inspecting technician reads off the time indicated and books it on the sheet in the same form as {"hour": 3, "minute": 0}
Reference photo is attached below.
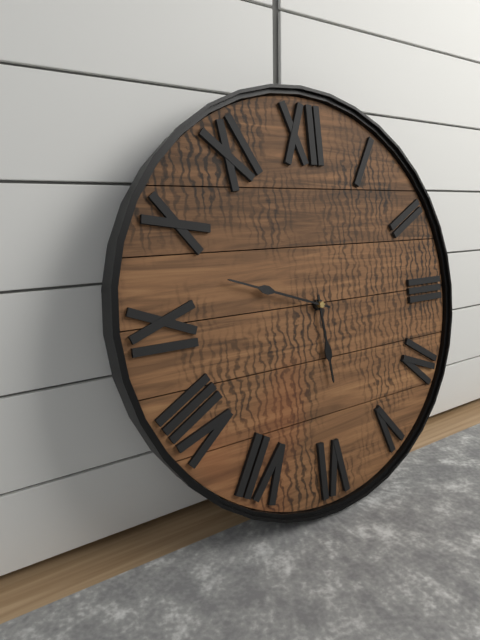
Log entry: {"hour": 5, "minute": 48}
